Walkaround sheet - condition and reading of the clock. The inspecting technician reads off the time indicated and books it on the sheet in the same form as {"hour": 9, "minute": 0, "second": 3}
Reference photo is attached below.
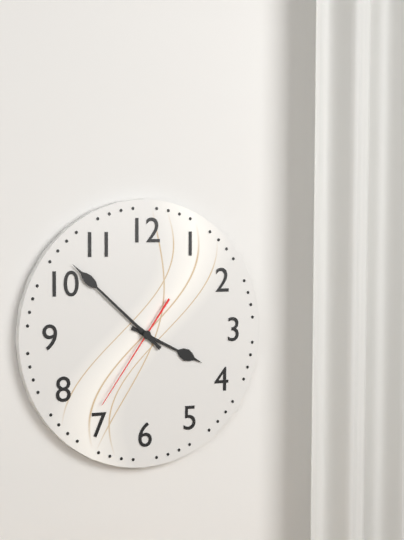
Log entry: {"hour": 3, "minute": 52, "second": 36}
